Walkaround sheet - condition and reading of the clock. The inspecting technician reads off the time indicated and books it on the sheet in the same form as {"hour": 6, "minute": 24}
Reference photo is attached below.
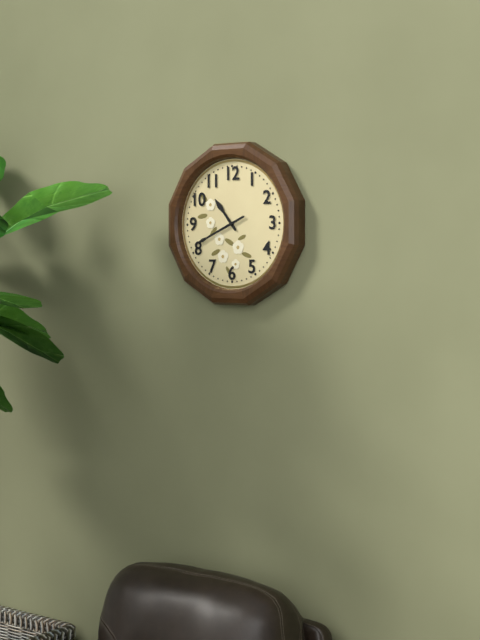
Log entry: {"hour": 10, "minute": 41}
